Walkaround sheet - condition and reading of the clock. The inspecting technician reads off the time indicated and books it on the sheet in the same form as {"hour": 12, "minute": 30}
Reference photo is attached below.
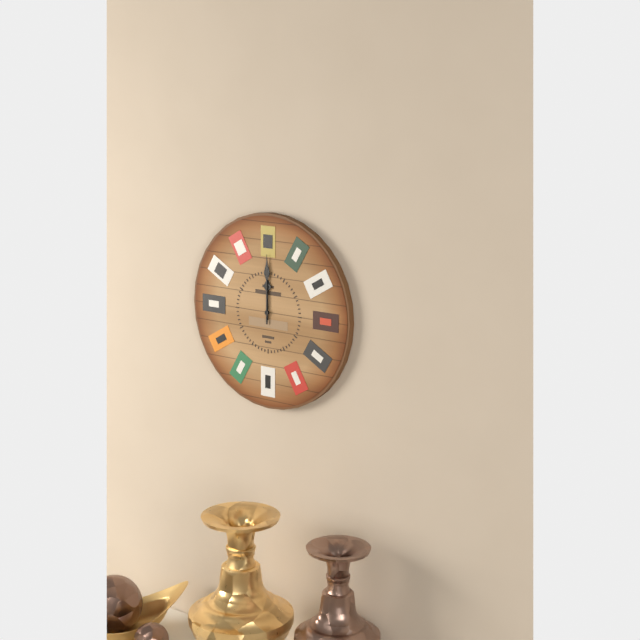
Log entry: {"hour": 12, "minute": 0}
